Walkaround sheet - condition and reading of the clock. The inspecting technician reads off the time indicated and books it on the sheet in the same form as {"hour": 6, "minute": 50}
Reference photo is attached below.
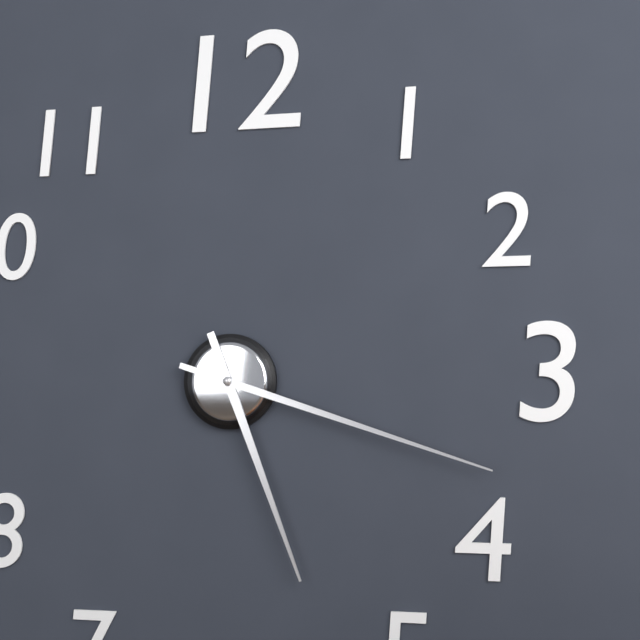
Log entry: {"hour": 5, "minute": 18}
